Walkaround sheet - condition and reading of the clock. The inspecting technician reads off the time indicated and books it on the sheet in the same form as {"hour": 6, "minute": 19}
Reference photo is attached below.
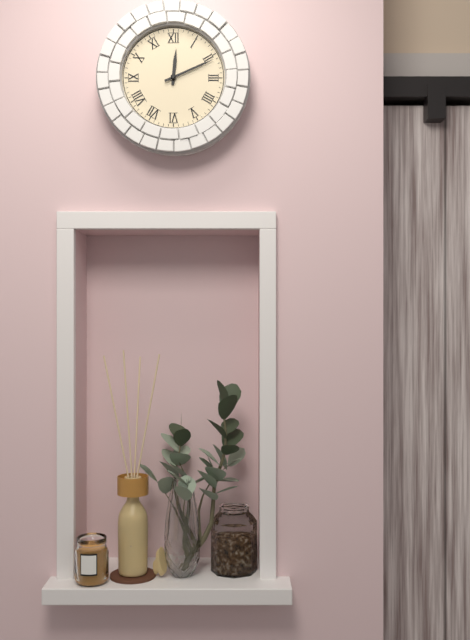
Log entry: {"hour": 12, "minute": 11}
